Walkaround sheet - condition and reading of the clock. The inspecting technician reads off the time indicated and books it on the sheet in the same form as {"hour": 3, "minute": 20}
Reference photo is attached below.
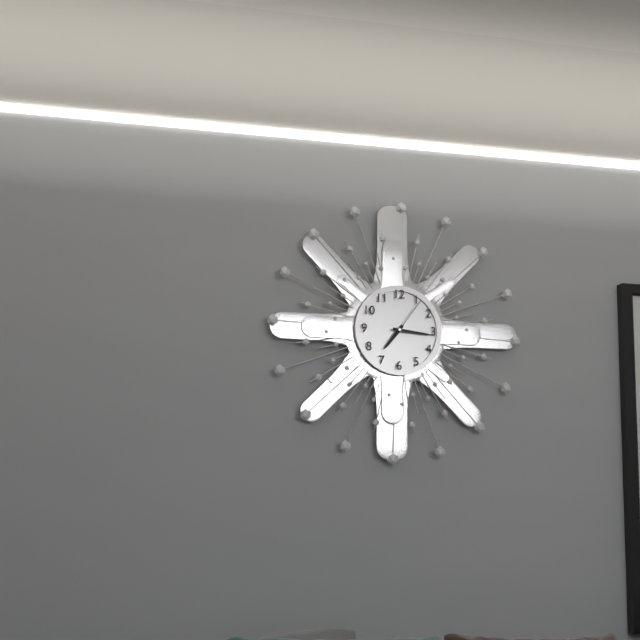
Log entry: {"hour": 7, "minute": 16}
